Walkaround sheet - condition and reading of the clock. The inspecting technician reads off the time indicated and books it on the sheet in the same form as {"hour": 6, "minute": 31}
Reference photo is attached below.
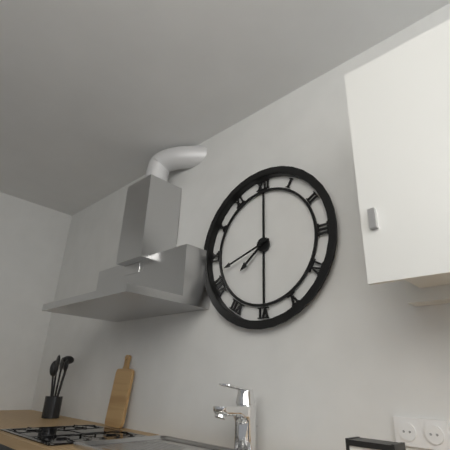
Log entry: {"hour": 7, "minute": 42}
